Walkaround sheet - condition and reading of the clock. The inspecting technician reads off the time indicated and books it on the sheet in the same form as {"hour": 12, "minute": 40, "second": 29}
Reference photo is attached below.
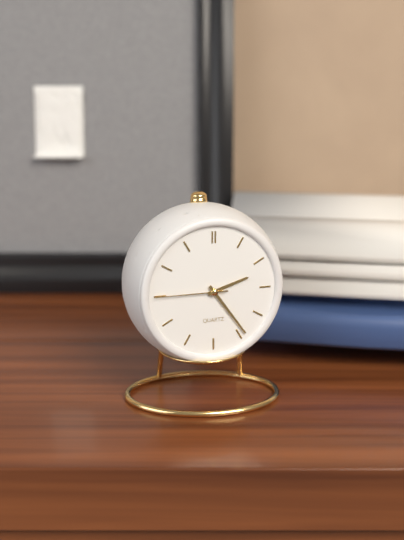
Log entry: {"hour": 2, "minute": 24, "second": 45}
